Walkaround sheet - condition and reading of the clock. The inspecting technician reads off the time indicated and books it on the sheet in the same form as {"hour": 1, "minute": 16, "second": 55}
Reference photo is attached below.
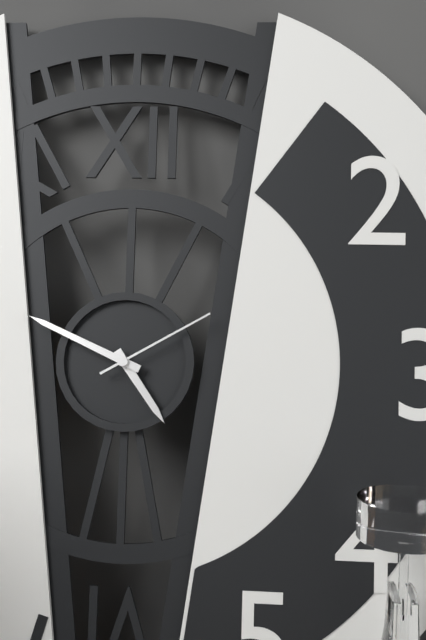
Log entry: {"hour": 4, "minute": 49, "second": 10}
